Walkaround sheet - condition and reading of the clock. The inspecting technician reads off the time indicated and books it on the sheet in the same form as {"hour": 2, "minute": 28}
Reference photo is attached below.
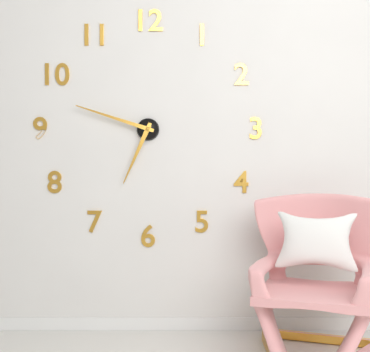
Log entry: {"hour": 6, "minute": 48}
